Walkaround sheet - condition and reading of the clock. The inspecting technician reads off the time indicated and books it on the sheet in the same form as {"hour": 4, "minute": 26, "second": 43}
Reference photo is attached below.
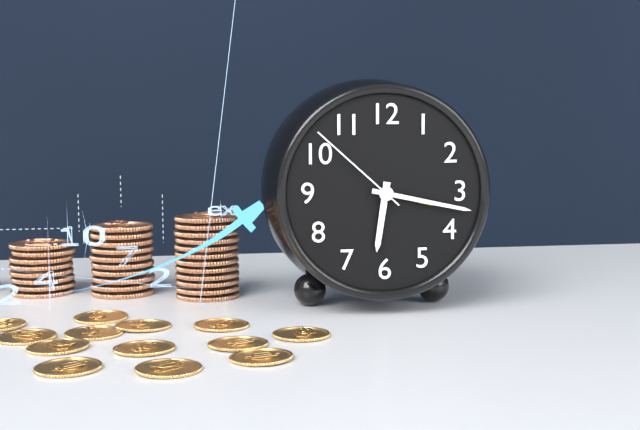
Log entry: {"hour": 6, "minute": 17, "second": 52}
